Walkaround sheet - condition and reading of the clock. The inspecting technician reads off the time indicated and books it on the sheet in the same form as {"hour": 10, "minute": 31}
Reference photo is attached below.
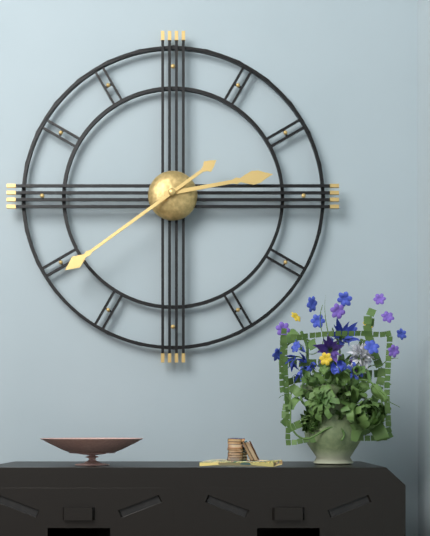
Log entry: {"hour": 2, "minute": 39}
